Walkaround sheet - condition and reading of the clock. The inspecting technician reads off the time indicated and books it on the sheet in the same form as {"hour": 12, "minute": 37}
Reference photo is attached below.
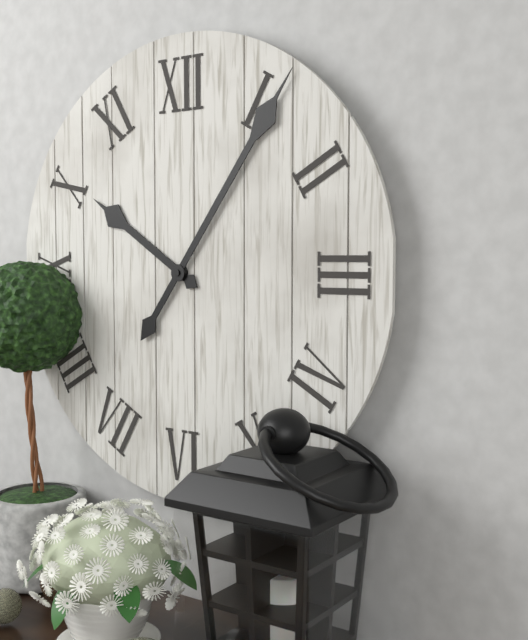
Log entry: {"hour": 10, "minute": 6}
